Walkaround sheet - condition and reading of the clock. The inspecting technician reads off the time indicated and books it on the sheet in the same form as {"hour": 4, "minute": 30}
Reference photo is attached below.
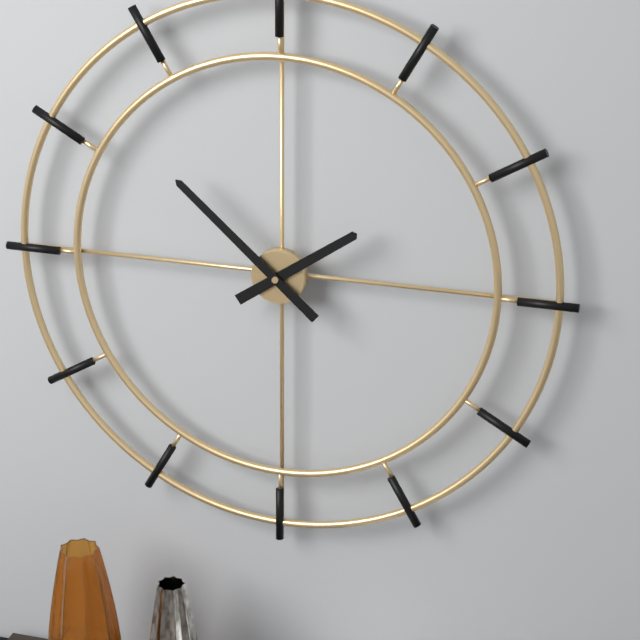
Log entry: {"hour": 1, "minute": 52}
